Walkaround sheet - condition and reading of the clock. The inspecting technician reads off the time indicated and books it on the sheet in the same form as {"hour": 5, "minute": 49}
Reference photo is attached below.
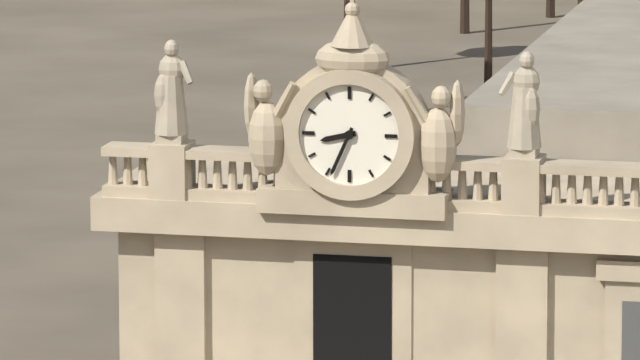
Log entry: {"hour": 8, "minute": 34}
